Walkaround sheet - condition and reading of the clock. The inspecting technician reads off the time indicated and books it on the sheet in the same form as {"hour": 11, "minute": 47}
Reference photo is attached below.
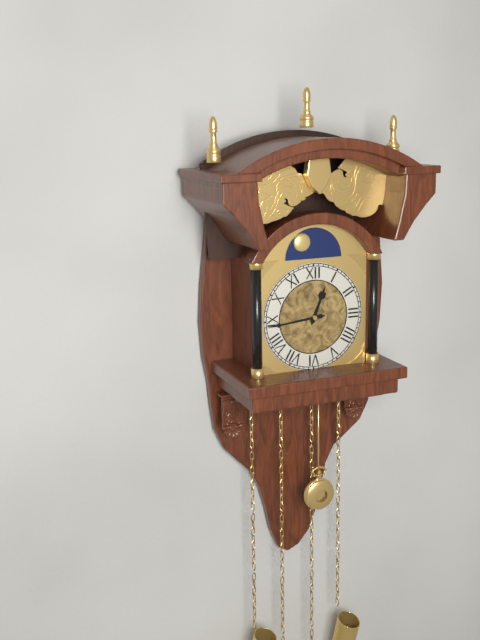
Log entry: {"hour": 12, "minute": 44}
